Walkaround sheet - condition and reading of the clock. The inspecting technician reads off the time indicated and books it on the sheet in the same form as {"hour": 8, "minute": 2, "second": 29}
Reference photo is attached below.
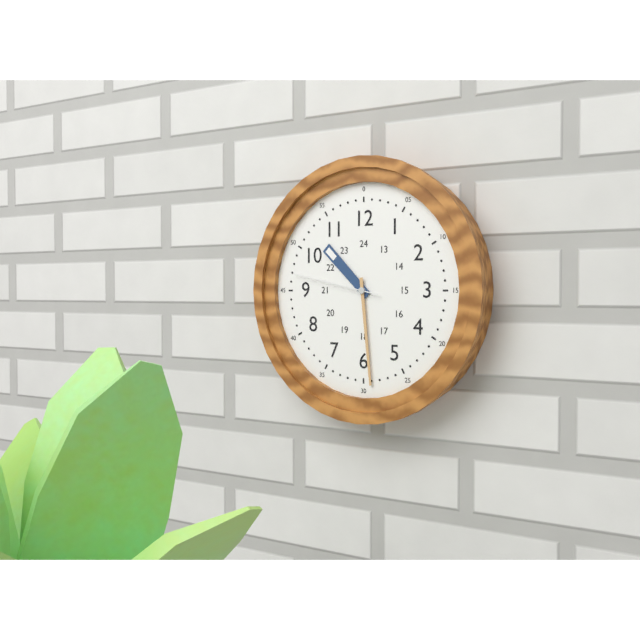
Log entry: {"hour": 10, "minute": 29, "second": 47}
